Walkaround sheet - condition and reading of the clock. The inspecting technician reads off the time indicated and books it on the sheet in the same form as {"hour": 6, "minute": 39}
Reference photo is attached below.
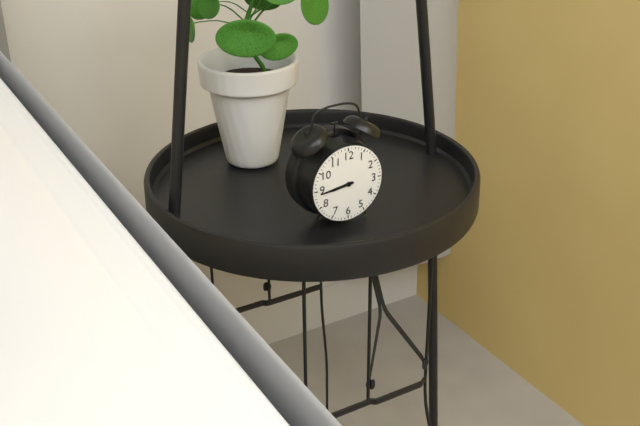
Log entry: {"hour": 8, "minute": 44}
